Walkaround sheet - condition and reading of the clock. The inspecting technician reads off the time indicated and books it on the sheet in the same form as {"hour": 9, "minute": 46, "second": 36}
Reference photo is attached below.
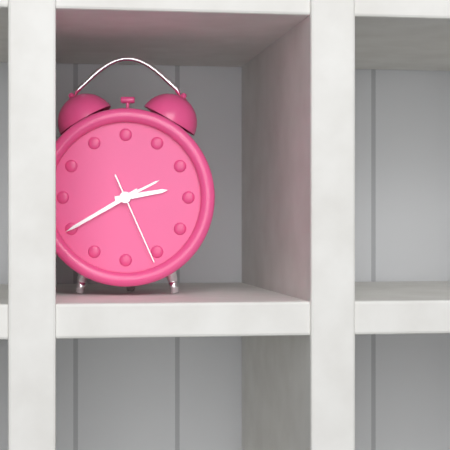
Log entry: {"hour": 2, "minute": 40, "second": 26}
